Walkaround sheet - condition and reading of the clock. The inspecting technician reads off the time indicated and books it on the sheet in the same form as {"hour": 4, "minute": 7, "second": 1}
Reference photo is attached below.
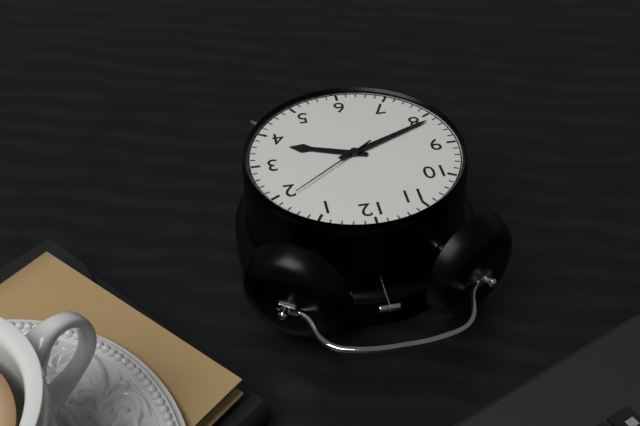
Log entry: {"hour": 3, "minute": 41, "second": 9}
